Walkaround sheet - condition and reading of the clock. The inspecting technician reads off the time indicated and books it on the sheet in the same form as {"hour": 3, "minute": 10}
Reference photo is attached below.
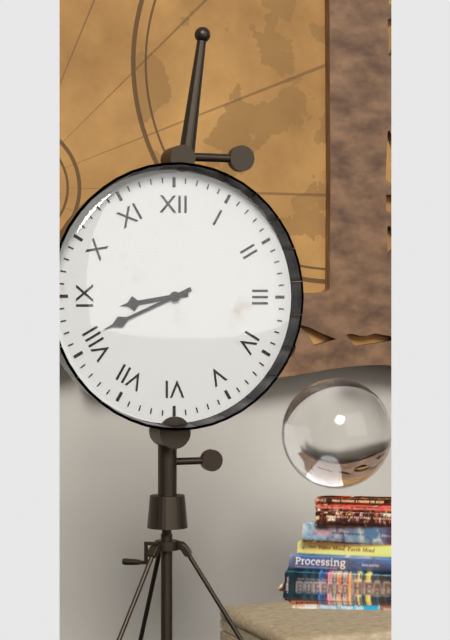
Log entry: {"hour": 8, "minute": 41}
